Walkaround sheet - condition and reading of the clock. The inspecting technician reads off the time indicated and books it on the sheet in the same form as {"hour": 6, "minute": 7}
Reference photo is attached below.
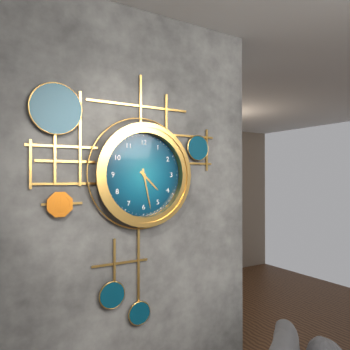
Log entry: {"hour": 4, "minute": 28}
